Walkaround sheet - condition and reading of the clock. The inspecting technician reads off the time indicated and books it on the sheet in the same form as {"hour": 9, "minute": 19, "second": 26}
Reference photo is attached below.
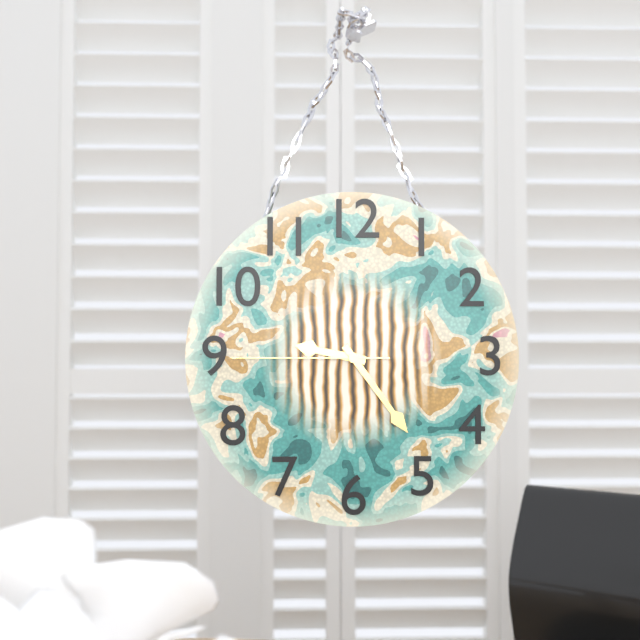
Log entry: {"hour": 9, "minute": 24, "second": 45}
